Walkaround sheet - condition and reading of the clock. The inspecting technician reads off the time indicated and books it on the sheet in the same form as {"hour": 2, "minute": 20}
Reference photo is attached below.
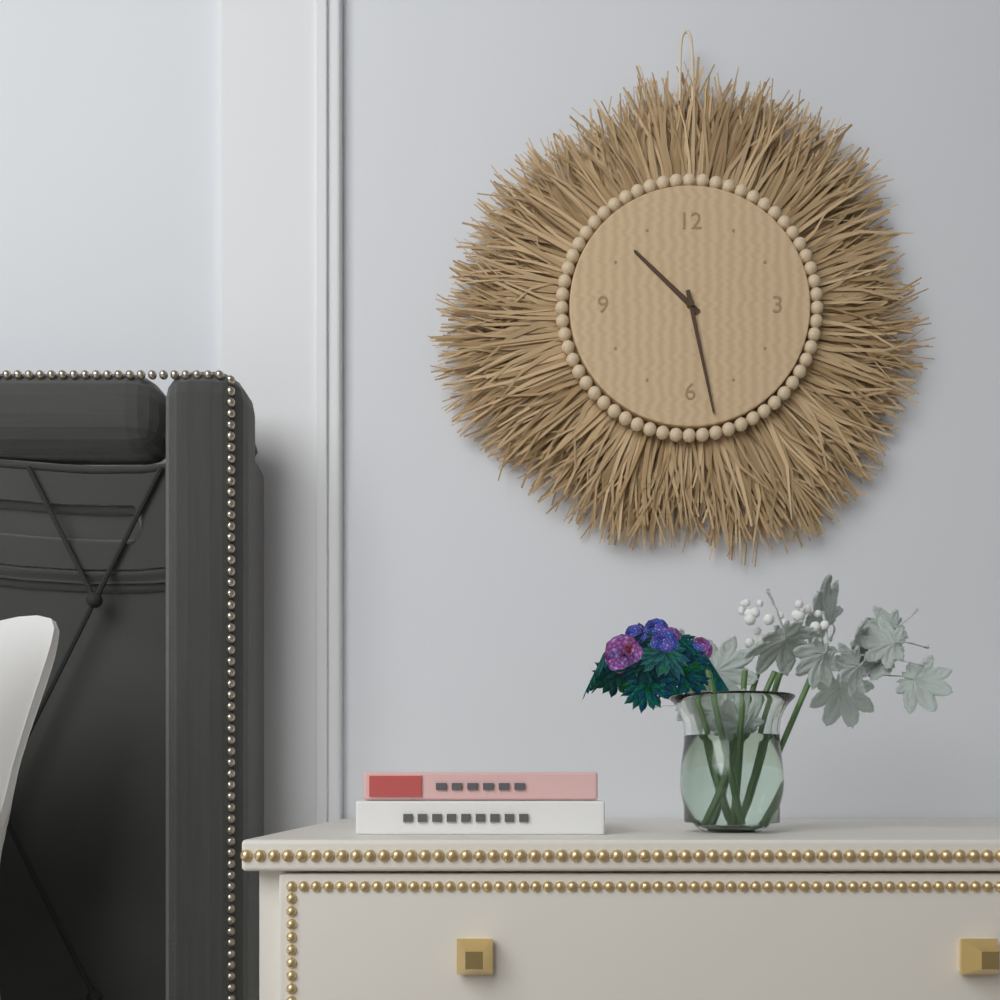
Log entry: {"hour": 10, "minute": 28}
